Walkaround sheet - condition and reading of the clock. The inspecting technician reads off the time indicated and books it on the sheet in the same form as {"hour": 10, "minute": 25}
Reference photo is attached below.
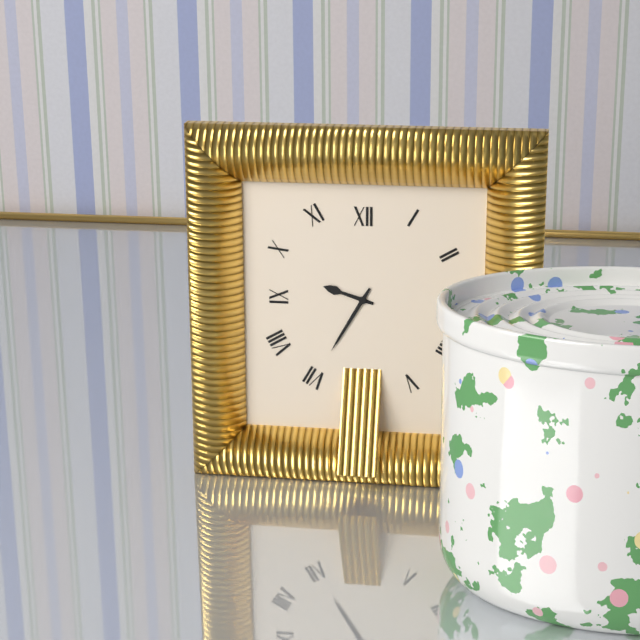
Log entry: {"hour": 9, "minute": 35}
